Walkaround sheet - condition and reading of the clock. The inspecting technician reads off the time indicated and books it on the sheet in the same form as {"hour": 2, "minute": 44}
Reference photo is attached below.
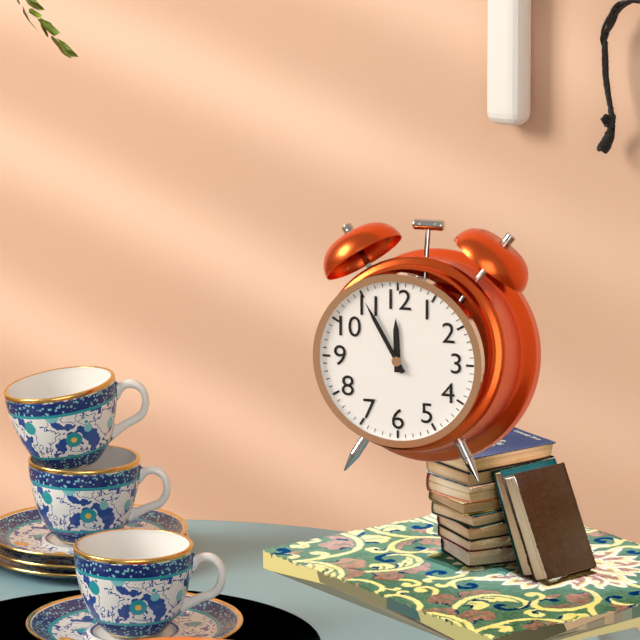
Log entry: {"hour": 11, "minute": 55}
